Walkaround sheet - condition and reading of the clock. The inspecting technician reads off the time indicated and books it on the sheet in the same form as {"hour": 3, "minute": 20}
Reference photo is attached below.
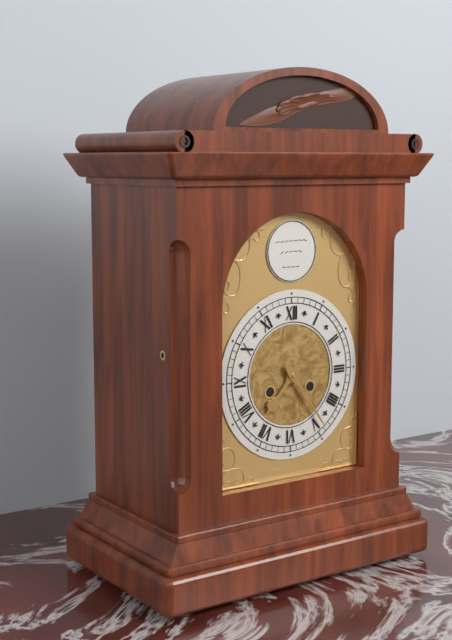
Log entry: {"hour": 7, "minute": 24}
